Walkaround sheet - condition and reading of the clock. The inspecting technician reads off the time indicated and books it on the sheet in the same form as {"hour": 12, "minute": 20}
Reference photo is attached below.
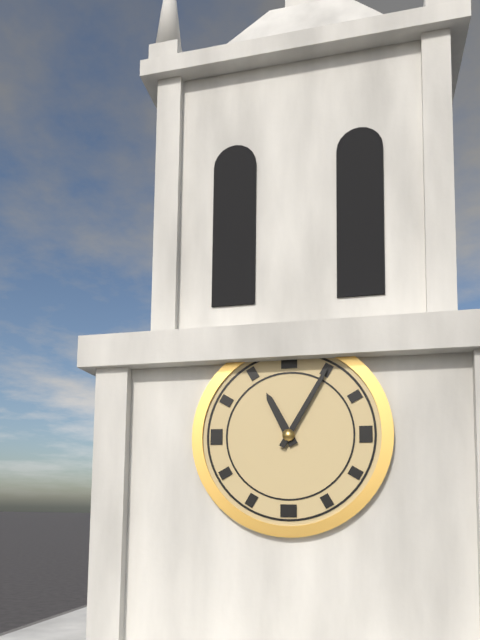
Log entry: {"hour": 11, "minute": 5}
